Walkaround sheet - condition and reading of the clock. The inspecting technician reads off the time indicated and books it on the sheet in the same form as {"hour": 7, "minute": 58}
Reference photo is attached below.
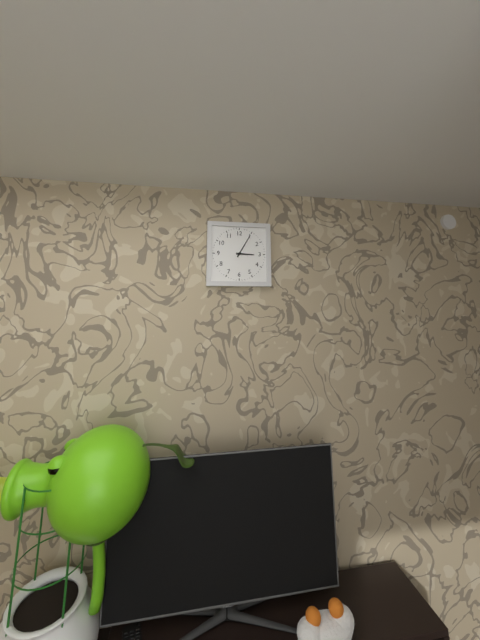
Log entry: {"hour": 3, "minute": 5}
